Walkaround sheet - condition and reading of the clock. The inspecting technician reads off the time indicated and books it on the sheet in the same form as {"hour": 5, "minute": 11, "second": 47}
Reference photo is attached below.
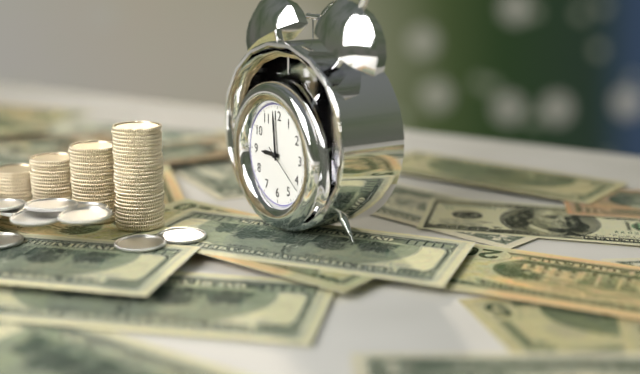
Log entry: {"hour": 8, "minute": 59, "second": 21}
